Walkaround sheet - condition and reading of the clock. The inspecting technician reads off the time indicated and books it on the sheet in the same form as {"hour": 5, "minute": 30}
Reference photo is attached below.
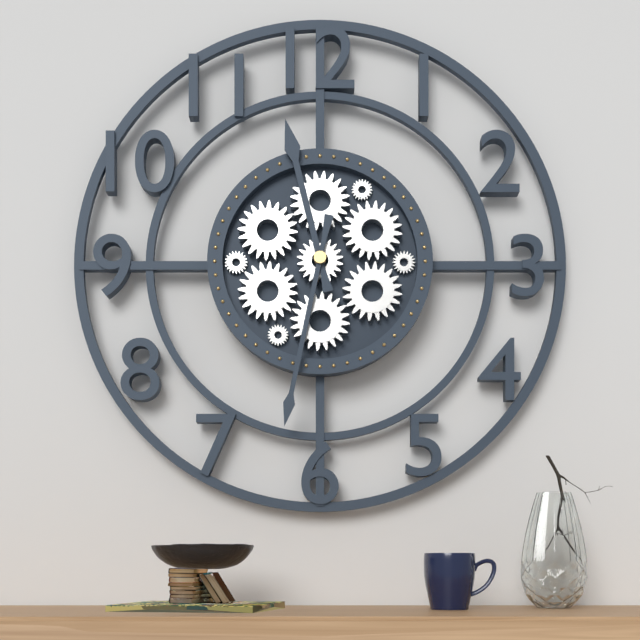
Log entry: {"hour": 11, "minute": 32}
